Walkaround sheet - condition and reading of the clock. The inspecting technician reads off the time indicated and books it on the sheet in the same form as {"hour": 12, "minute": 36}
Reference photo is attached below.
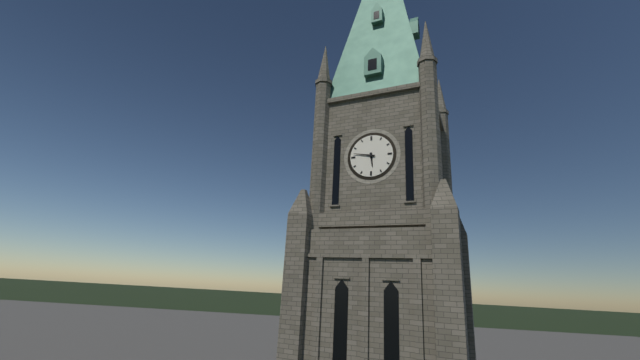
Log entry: {"hour": 5, "minute": 47}
